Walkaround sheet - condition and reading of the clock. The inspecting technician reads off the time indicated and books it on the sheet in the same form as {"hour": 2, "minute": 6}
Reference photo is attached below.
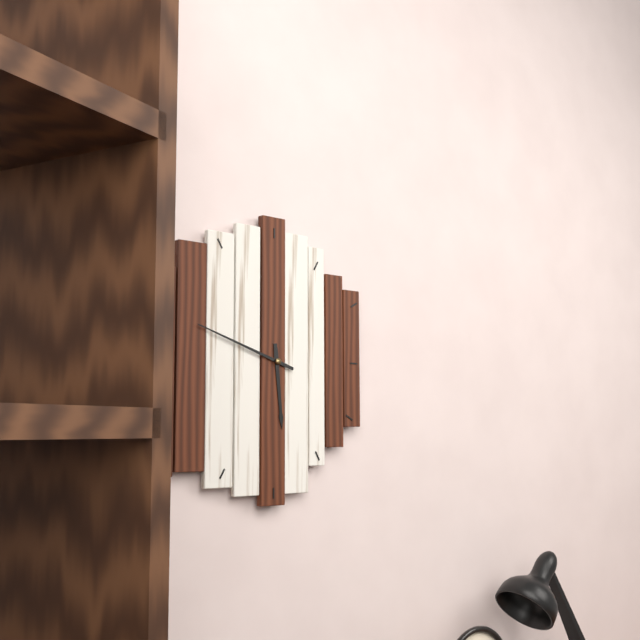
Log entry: {"hour": 5, "minute": 48}
